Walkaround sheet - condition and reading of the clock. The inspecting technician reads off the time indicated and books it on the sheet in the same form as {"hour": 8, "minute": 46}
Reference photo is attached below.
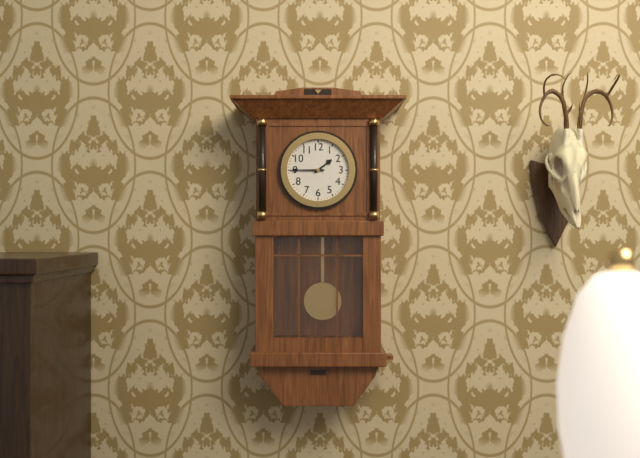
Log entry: {"hour": 1, "minute": 45}
